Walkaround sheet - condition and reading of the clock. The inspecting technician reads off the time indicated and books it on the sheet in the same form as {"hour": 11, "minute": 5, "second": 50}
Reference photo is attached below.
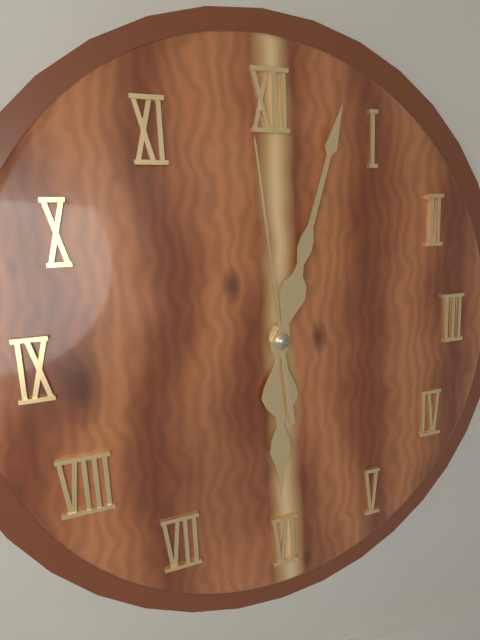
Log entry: {"hour": 6, "minute": 3, "second": 59}
